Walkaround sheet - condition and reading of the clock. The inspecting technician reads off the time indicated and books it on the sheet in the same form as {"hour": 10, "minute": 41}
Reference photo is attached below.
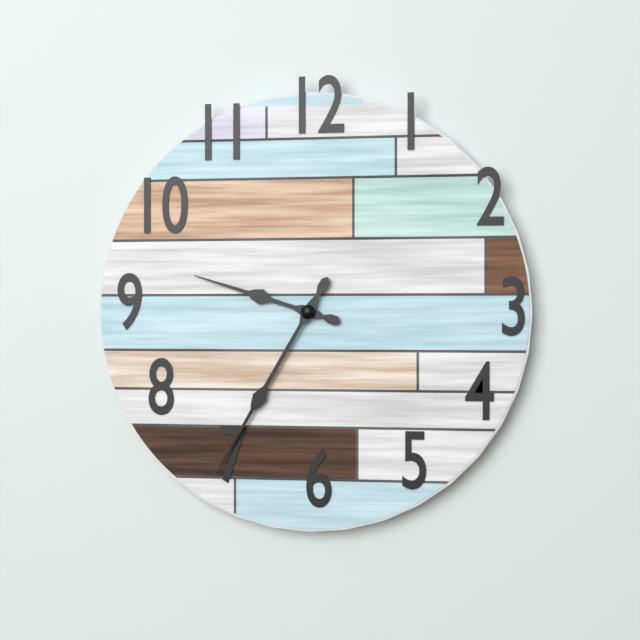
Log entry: {"hour": 9, "minute": 35}
